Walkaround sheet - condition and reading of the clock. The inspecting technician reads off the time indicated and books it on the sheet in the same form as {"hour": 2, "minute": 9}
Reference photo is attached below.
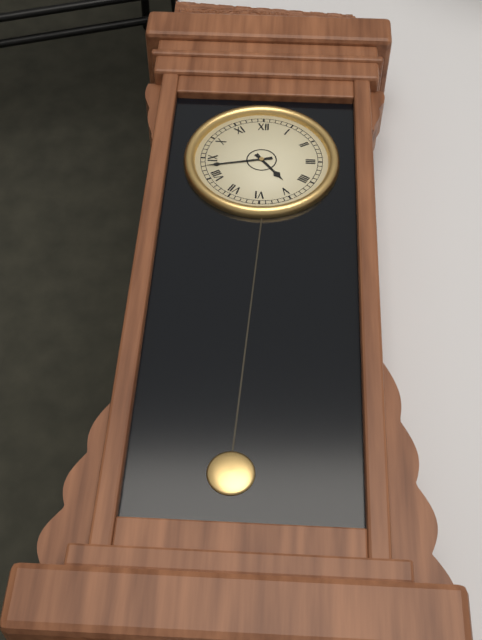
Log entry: {"hour": 4, "minute": 43}
